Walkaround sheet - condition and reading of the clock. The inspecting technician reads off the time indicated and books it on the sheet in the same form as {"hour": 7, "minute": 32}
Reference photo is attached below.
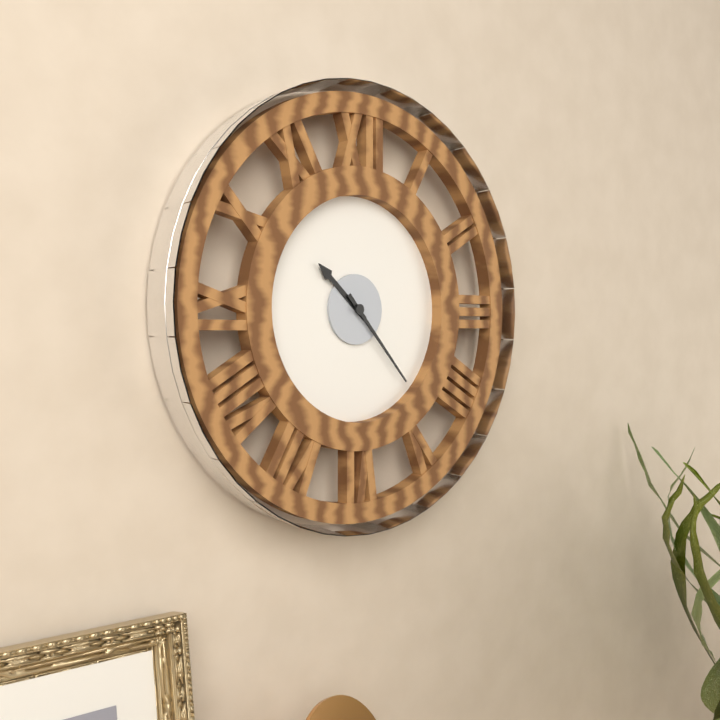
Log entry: {"hour": 10, "minute": 23}
